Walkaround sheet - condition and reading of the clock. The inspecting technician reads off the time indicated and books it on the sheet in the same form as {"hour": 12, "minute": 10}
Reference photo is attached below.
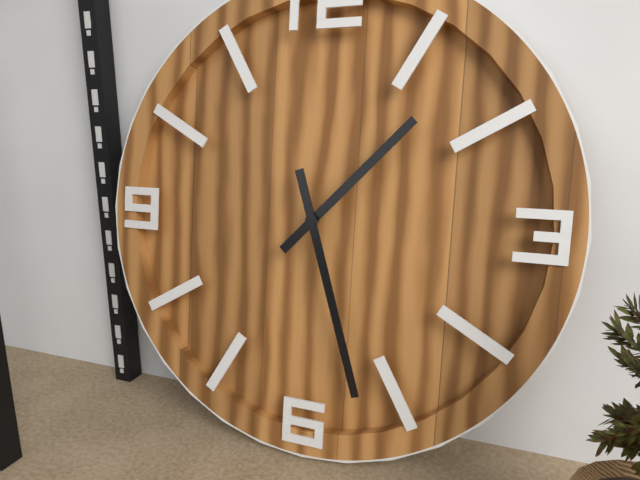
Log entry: {"hour": 1, "minute": 27}
